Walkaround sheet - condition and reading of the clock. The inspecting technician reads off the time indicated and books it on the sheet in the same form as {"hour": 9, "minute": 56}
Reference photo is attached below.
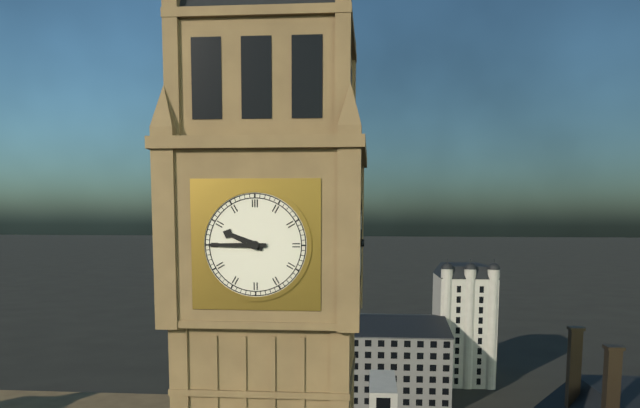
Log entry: {"hour": 9, "minute": 45}
